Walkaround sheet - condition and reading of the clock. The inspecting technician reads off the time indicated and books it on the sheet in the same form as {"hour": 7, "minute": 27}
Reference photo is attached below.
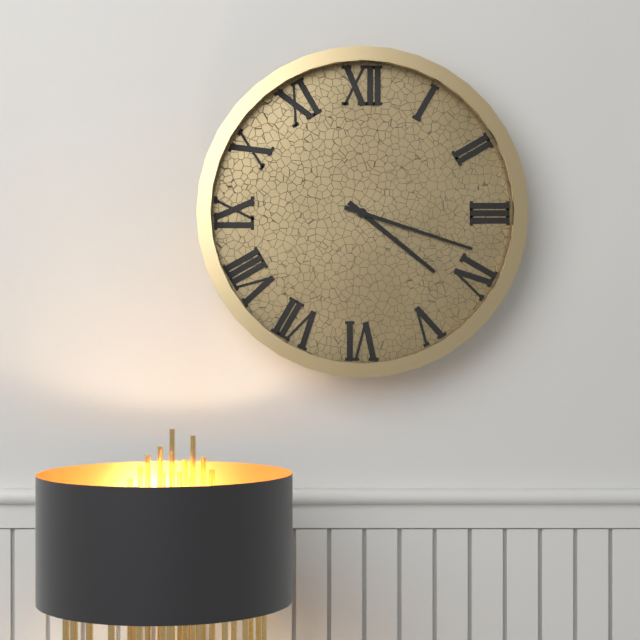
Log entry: {"hour": 4, "minute": 18}
